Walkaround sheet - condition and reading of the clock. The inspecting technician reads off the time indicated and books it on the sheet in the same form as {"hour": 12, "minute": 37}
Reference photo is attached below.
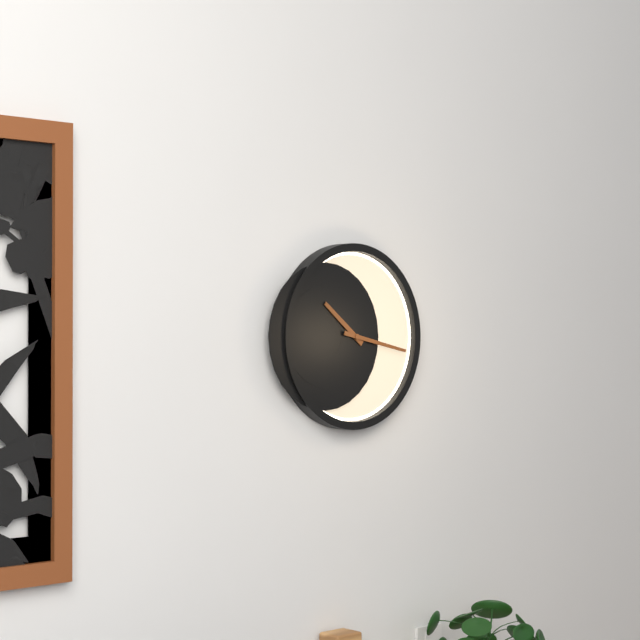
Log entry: {"hour": 10, "minute": 17}
